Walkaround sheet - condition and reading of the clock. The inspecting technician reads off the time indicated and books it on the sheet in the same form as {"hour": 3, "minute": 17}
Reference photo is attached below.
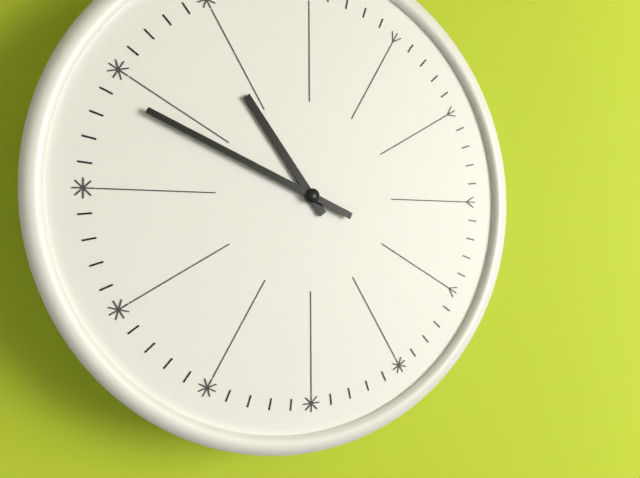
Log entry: {"hour": 10, "minute": 49}
